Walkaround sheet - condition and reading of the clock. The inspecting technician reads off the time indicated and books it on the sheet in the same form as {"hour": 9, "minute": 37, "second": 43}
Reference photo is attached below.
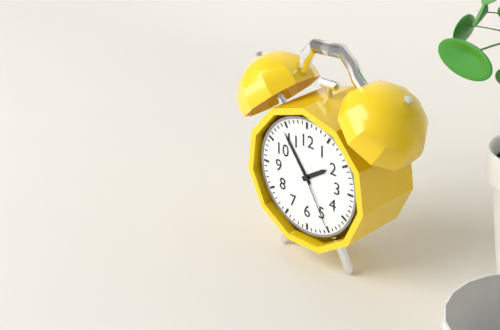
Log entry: {"hour": 1, "minute": 54, "second": 25}
